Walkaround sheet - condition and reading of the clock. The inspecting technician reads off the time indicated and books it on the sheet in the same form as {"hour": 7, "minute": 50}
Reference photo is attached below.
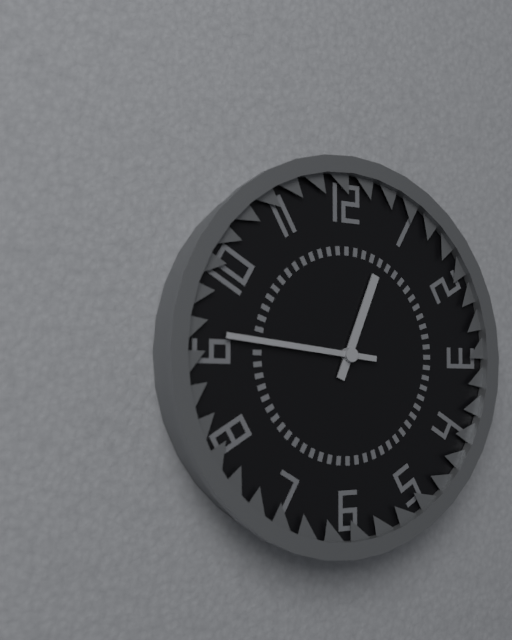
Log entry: {"hour": 12, "minute": 46}
